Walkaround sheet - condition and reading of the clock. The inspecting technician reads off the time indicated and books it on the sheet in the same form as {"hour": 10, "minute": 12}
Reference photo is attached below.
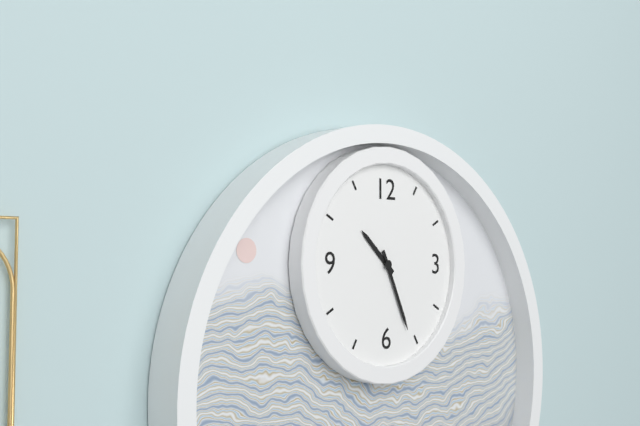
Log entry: {"hour": 10, "minute": 26}
